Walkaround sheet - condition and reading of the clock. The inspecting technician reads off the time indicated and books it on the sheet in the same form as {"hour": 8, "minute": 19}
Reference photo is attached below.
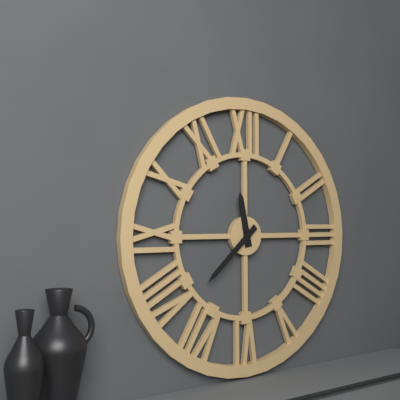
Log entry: {"hour": 11, "minute": 38}
